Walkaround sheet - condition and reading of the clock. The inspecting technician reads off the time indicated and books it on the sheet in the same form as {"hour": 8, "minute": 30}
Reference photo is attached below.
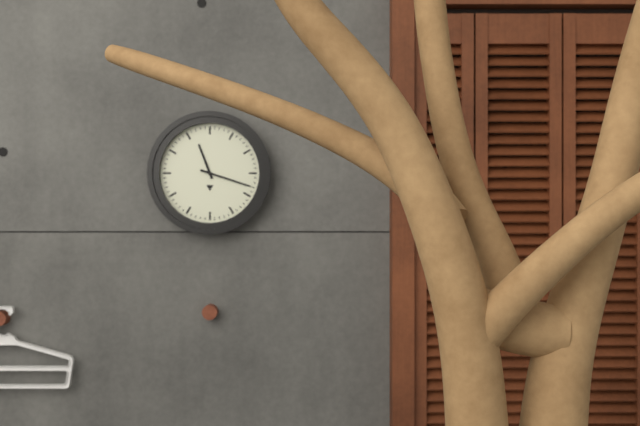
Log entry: {"hour": 11, "minute": 18}
